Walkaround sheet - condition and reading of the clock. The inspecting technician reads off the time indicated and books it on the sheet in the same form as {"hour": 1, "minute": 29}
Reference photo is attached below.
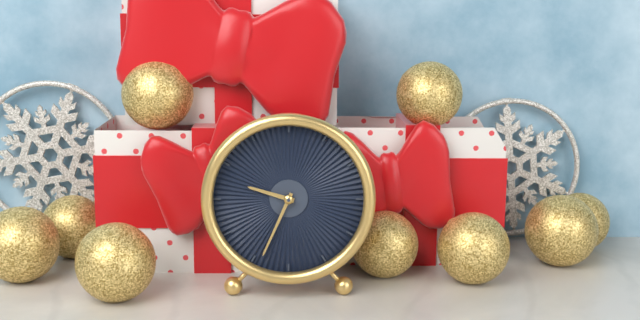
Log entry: {"hour": 9, "minute": 34}
